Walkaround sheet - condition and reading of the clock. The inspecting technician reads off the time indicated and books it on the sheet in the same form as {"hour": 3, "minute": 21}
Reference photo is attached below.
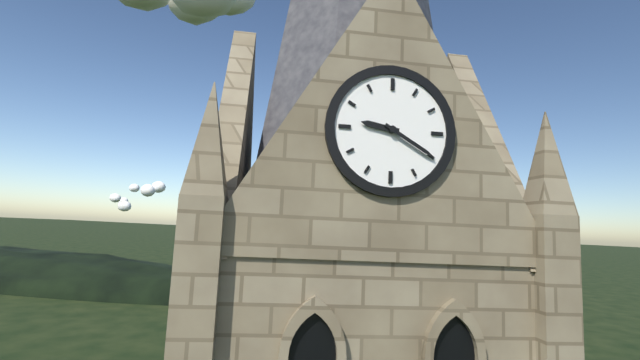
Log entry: {"hour": 9, "minute": 20}
